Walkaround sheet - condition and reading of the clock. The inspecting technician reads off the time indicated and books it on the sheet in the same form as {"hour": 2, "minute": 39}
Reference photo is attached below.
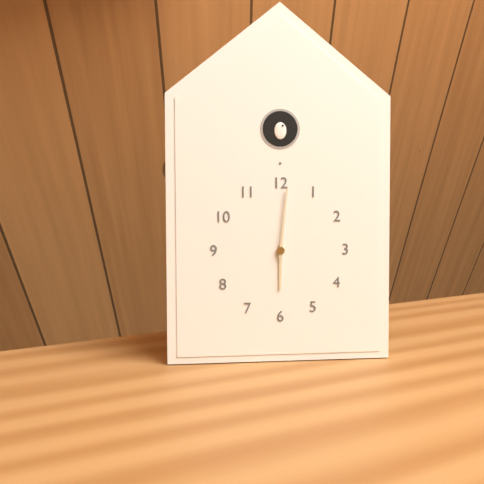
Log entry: {"hour": 6, "minute": 1}
